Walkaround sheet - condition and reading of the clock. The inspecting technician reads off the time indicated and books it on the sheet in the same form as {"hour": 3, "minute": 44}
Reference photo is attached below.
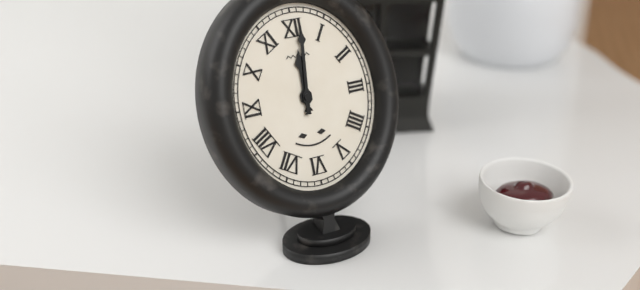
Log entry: {"hour": 12, "minute": 1}
